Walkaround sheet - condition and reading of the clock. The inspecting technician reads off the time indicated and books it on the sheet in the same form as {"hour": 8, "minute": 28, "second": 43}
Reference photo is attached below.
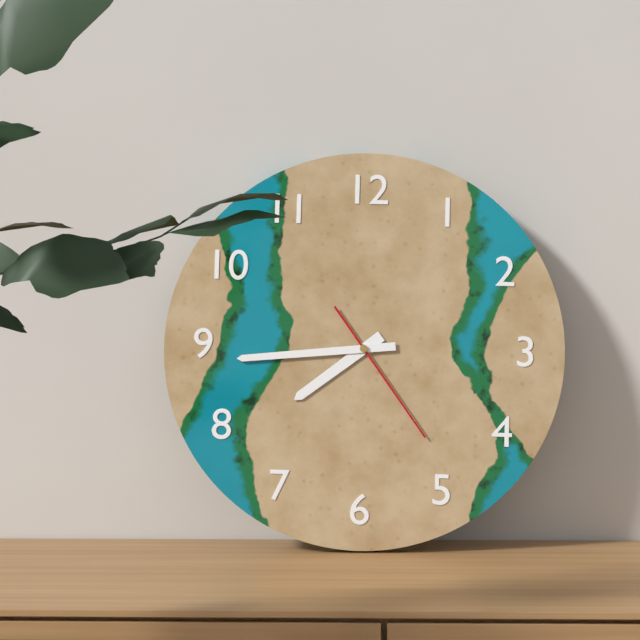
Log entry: {"hour": 7, "minute": 44, "second": 24}
